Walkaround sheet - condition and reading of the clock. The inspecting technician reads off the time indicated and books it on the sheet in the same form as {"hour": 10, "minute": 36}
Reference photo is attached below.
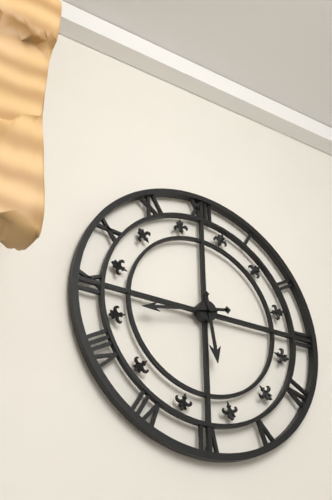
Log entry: {"hour": 5, "minute": 43}
